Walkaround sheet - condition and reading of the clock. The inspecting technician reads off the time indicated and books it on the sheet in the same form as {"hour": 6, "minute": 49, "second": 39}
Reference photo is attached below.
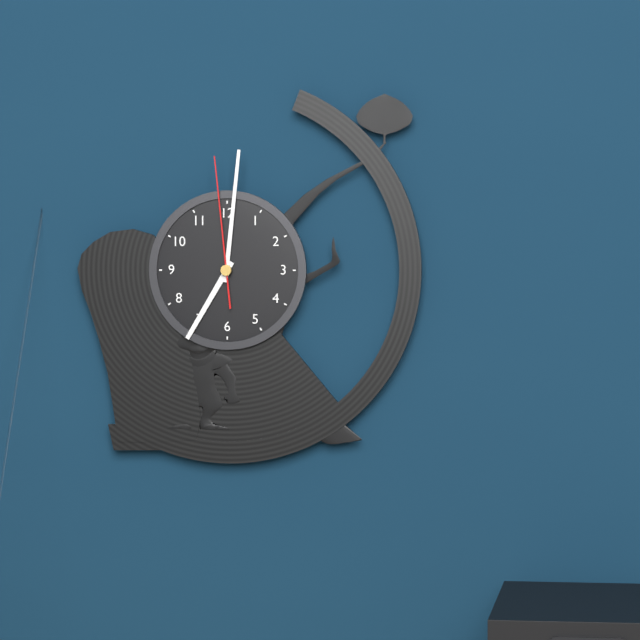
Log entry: {"hour": 7, "minute": 1, "second": 59}
